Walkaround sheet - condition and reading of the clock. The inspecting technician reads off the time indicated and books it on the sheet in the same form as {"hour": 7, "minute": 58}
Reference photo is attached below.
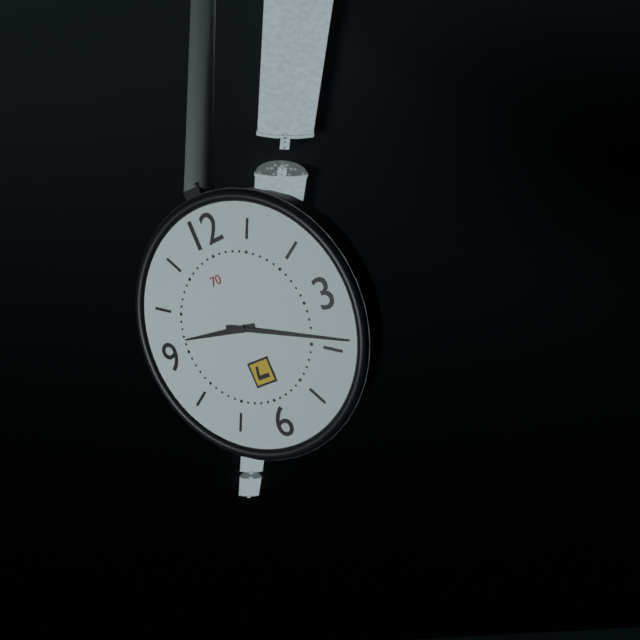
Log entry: {"hour": 9, "minute": 19}
